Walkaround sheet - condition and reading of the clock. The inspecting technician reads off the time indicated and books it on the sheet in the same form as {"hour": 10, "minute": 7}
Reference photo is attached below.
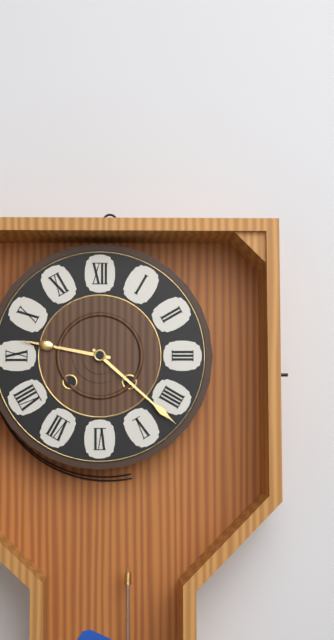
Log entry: {"hour": 9, "minute": 22}
